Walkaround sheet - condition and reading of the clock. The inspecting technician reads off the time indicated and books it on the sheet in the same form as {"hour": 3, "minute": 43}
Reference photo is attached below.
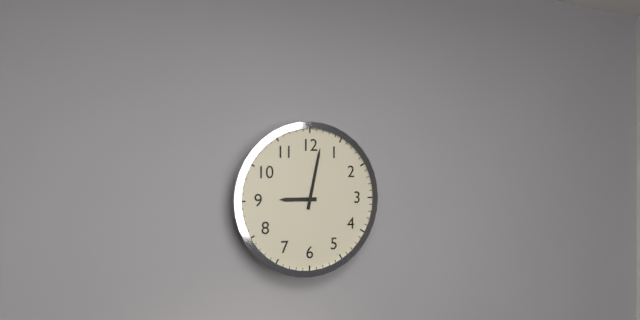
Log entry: {"hour": 9, "minute": 2}
